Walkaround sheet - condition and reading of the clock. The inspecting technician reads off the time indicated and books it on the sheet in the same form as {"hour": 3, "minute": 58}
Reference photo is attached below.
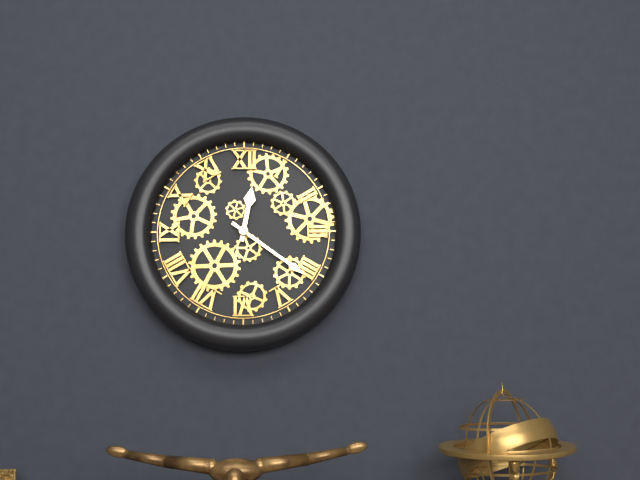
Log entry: {"hour": 12, "minute": 21}
